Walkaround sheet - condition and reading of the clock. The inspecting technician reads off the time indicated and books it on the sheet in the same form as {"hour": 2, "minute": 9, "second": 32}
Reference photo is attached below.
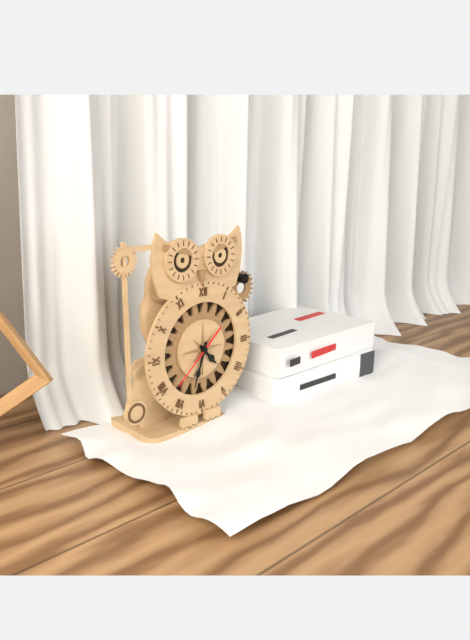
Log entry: {"hour": 4, "minute": 33, "second": 38}
